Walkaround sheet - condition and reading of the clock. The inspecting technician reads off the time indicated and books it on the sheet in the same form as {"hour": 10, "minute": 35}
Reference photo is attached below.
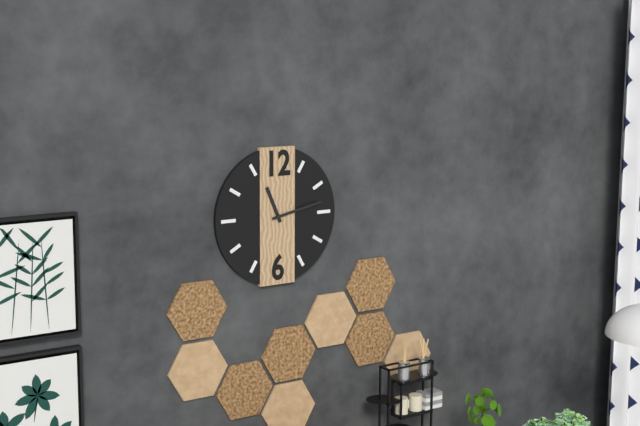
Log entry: {"hour": 11, "minute": 13}
